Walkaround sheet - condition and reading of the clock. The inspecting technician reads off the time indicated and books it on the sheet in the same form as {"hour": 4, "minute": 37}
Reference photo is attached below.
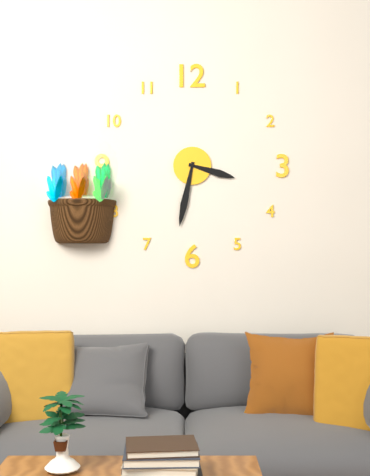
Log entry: {"hour": 3, "minute": 32}
